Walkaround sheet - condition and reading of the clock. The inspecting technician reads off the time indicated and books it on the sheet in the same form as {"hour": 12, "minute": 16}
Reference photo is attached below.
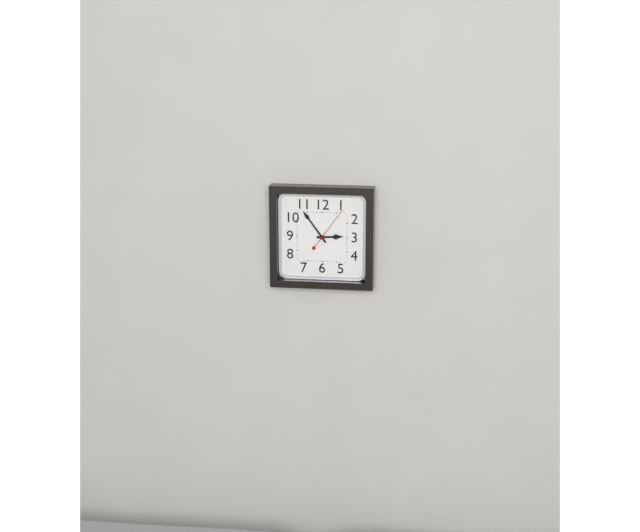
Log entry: {"hour": 2, "minute": 54}
